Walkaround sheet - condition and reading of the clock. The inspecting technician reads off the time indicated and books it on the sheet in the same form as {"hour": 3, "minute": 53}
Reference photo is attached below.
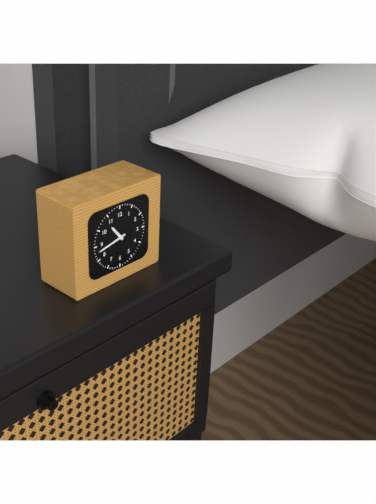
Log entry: {"hour": 10, "minute": 43}
